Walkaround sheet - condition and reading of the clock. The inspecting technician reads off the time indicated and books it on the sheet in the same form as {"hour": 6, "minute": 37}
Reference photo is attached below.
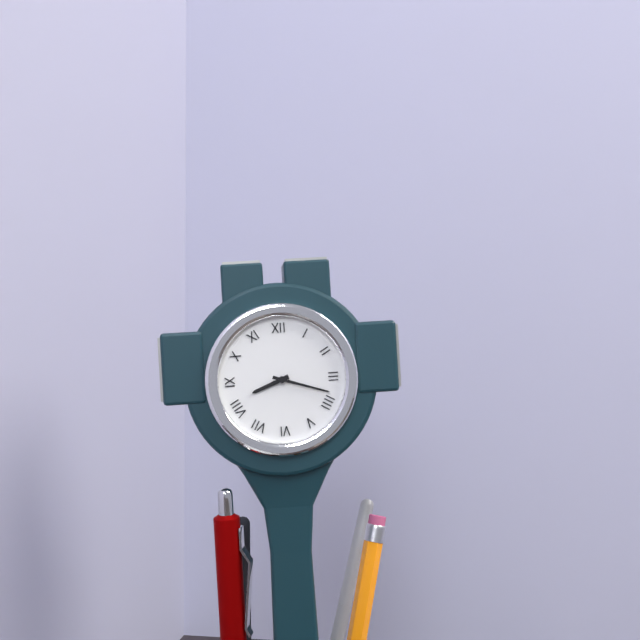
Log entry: {"hour": 8, "minute": 18}
